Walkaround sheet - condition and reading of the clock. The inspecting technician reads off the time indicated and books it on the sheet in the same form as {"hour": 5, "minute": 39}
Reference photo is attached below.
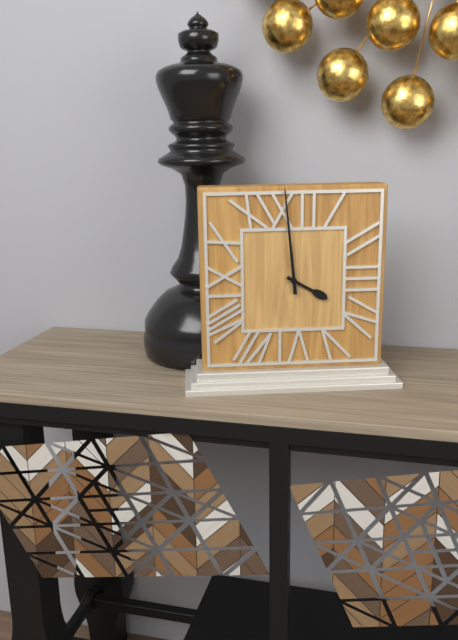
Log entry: {"hour": 3, "minute": 59}
